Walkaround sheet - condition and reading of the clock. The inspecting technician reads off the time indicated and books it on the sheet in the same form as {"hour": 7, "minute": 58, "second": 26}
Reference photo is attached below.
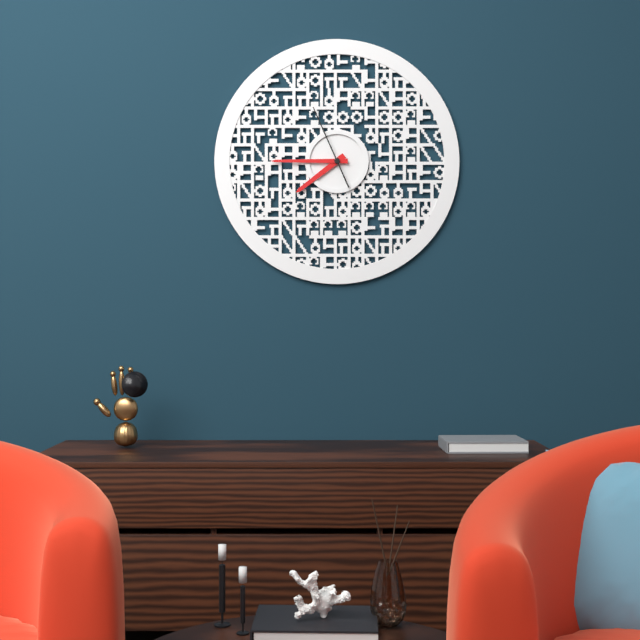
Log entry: {"hour": 7, "minute": 45, "second": 56}
